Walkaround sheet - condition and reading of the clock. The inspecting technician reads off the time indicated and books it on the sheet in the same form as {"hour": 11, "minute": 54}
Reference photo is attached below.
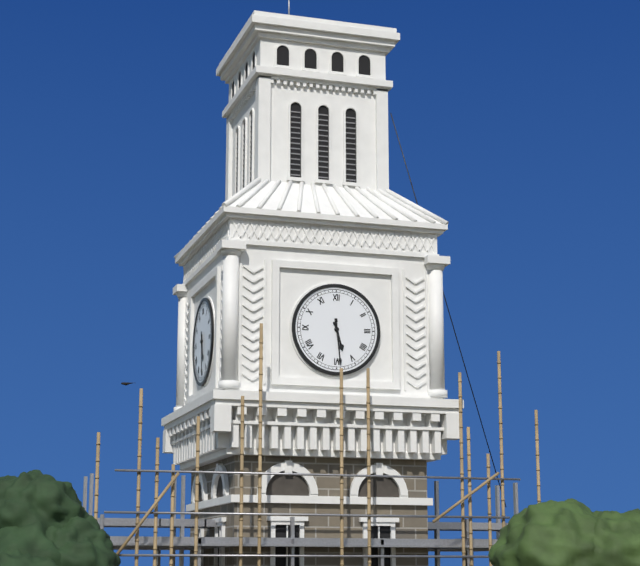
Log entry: {"hour": 5, "minute": 29}
